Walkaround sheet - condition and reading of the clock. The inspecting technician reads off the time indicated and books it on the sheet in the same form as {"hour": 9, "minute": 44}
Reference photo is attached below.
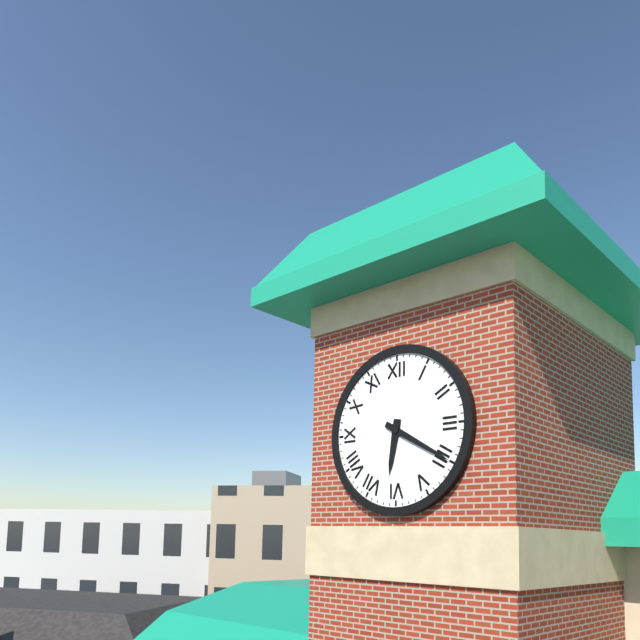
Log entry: {"hour": 6, "minute": 20}
